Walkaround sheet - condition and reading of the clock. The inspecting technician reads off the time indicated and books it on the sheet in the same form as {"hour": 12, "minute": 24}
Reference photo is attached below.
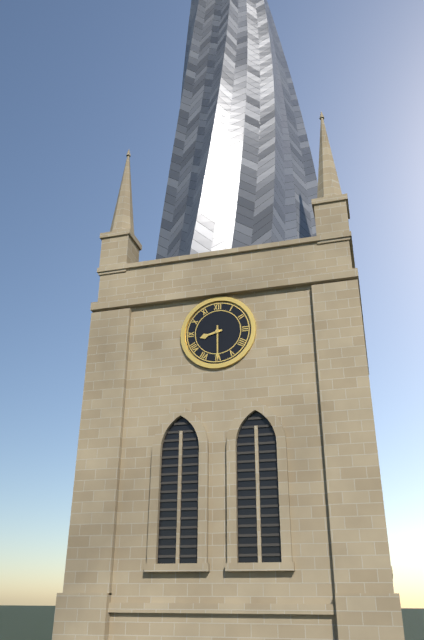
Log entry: {"hour": 8, "minute": 30}
